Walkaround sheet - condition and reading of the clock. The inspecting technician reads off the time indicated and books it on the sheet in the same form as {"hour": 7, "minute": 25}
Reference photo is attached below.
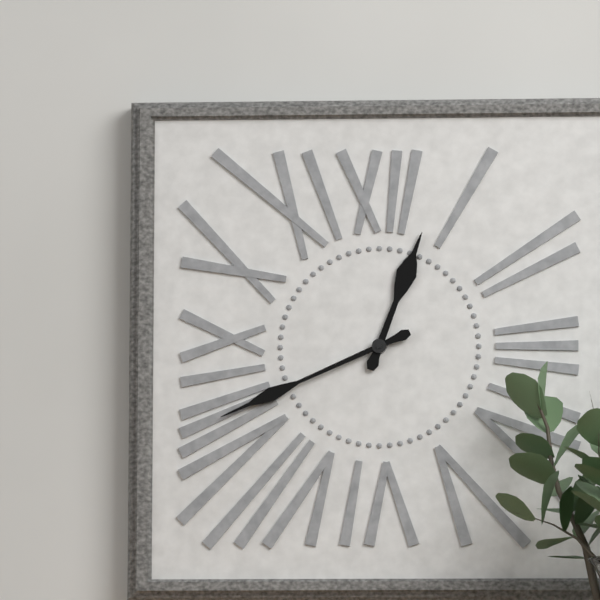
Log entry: {"hour": 12, "minute": 41}
